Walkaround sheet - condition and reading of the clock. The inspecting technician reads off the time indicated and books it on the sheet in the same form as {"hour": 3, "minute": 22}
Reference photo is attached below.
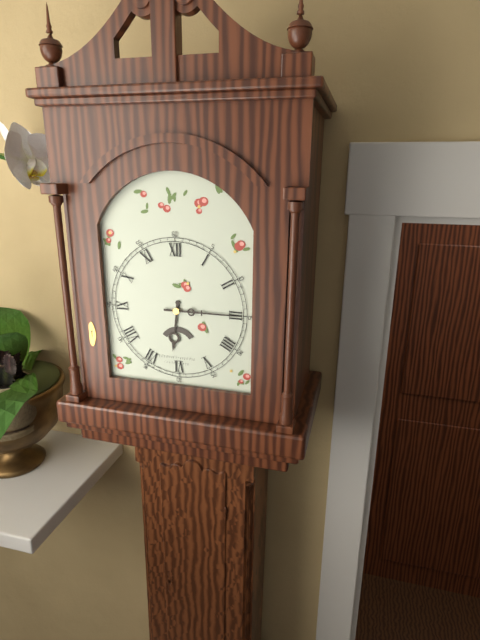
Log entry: {"hour": 6, "minute": 15}
